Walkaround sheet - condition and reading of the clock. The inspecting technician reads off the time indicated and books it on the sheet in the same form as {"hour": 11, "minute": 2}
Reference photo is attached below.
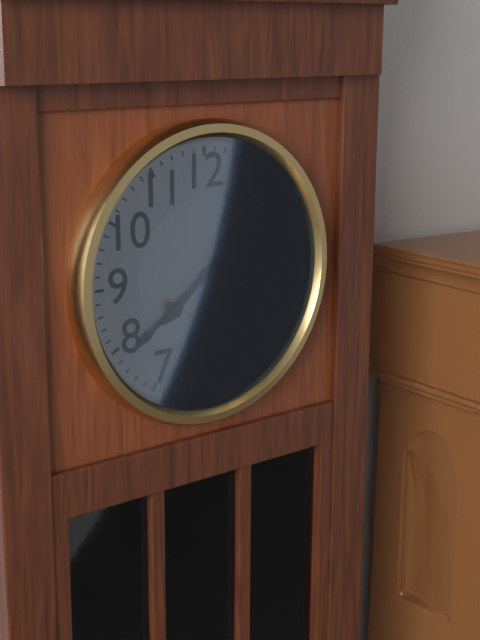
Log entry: {"hour": 7, "minute": 39}
